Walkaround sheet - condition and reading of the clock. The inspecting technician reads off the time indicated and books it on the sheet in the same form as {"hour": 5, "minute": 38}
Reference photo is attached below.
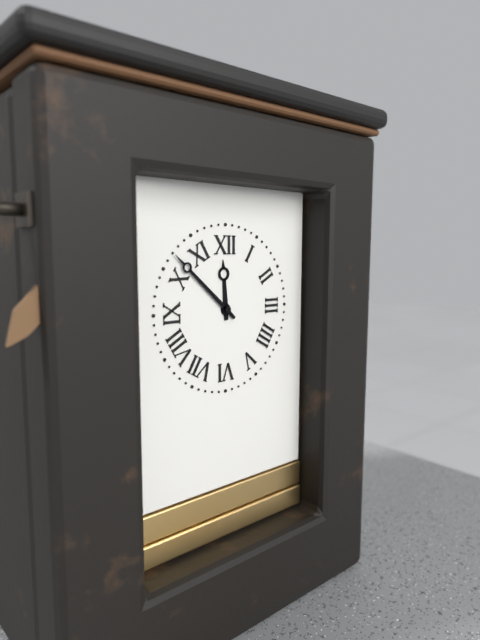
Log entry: {"hour": 11, "minute": 52}
